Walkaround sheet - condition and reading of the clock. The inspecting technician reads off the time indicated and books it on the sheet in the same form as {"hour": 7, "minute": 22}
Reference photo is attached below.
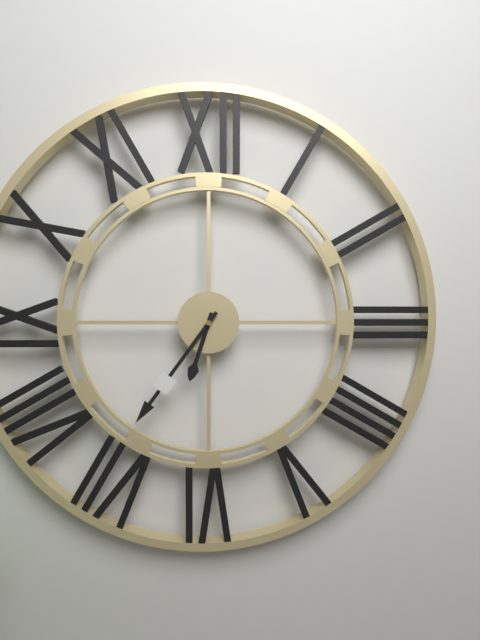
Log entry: {"hour": 6, "minute": 36}
